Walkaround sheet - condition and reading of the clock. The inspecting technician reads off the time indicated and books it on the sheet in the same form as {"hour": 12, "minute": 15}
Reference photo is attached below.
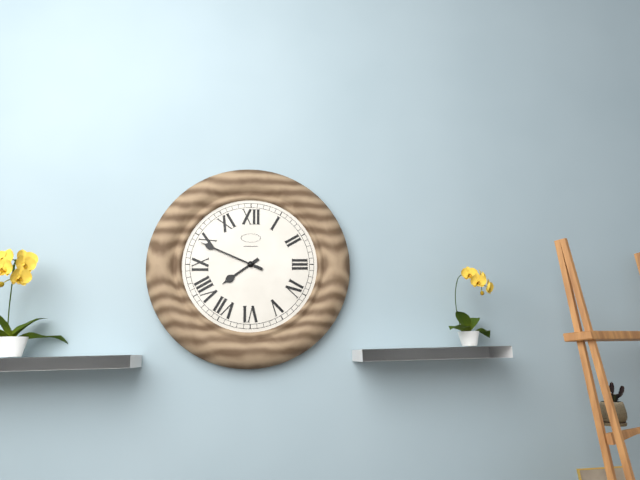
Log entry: {"hour": 7, "minute": 49}
